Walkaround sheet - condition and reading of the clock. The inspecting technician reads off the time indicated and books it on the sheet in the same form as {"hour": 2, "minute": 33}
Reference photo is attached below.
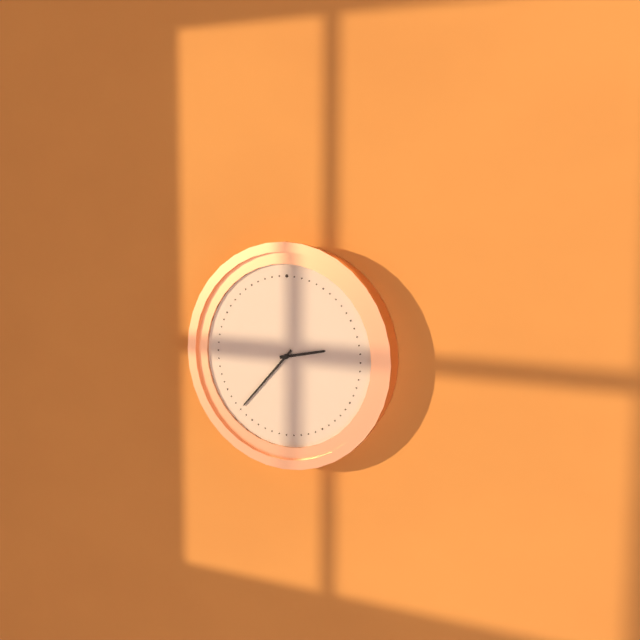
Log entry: {"hour": 2, "minute": 37}
